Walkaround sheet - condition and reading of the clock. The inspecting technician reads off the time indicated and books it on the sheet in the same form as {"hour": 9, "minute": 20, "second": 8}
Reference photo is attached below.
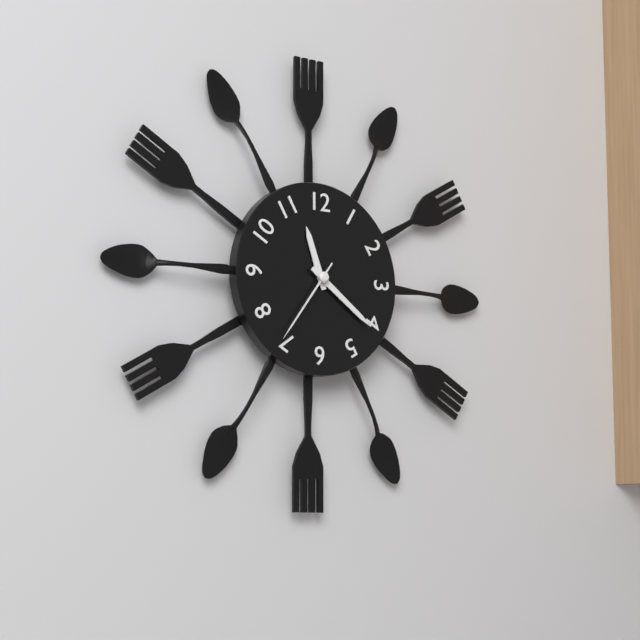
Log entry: {"hour": 11, "minute": 21, "second": 36}
